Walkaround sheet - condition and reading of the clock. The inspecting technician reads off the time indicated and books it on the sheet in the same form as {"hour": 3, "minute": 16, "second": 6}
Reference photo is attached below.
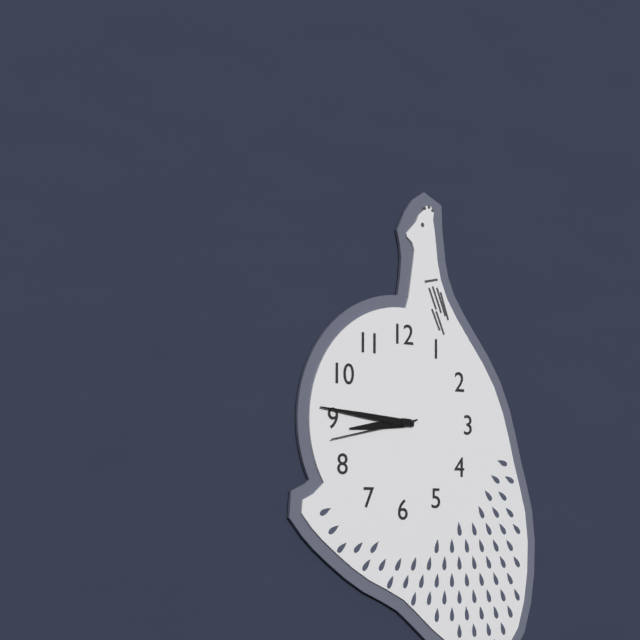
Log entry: {"hour": 8, "minute": 46, "second": 43}
